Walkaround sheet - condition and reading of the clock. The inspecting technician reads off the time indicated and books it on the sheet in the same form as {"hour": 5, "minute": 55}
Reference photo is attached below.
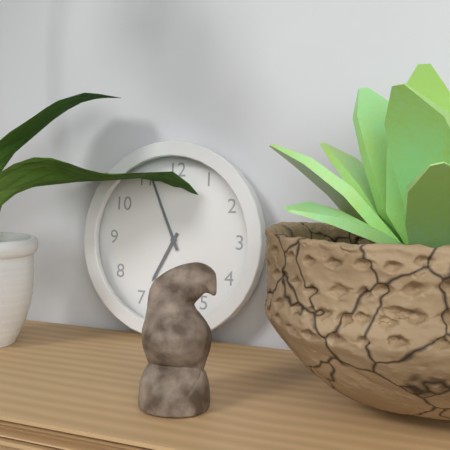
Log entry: {"hour": 6, "minute": 56}
